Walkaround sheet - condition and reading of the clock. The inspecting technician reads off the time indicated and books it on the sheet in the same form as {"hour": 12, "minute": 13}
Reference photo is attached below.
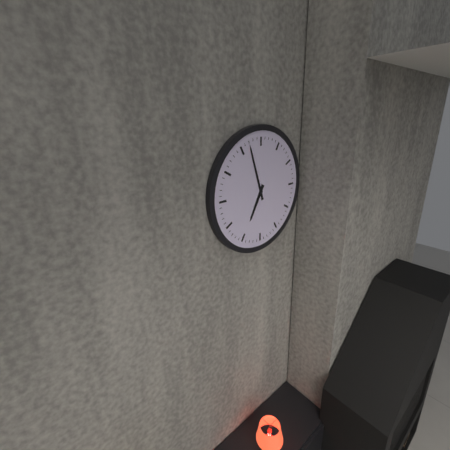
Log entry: {"hour": 6, "minute": 57}
